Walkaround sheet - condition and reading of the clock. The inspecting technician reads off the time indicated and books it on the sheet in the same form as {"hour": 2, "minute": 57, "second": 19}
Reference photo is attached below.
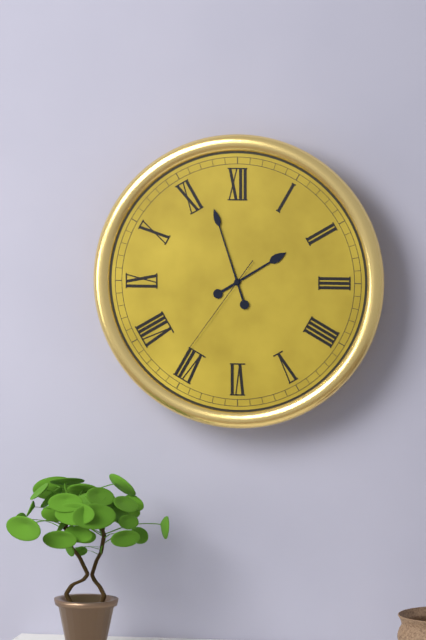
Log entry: {"hour": 1, "minute": 57, "second": 36}
